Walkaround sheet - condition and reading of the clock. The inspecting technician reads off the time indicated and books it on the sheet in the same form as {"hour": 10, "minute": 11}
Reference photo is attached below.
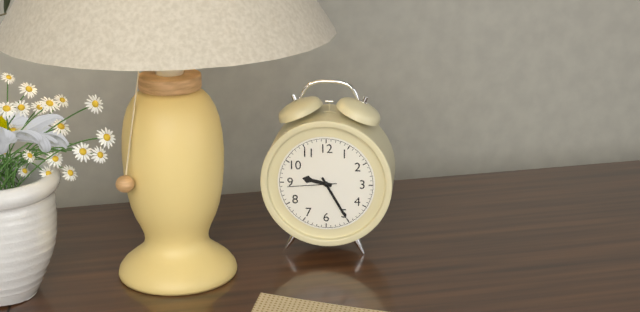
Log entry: {"hour": 9, "minute": 25}
